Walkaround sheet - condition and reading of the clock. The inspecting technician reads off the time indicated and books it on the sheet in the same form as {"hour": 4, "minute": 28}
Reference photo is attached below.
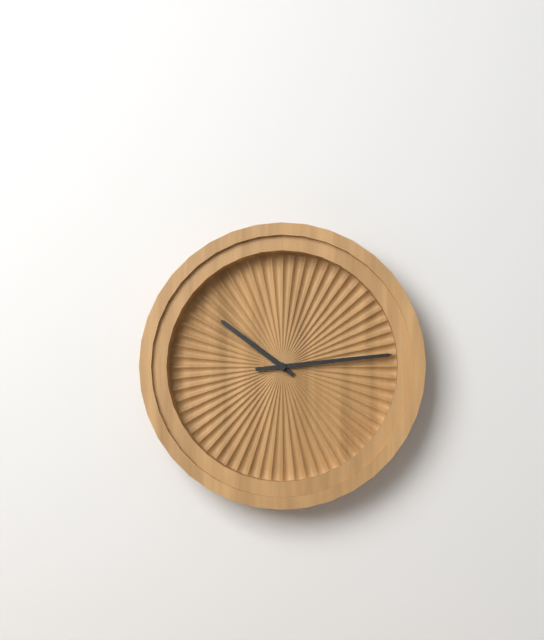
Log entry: {"hour": 10, "minute": 14}
